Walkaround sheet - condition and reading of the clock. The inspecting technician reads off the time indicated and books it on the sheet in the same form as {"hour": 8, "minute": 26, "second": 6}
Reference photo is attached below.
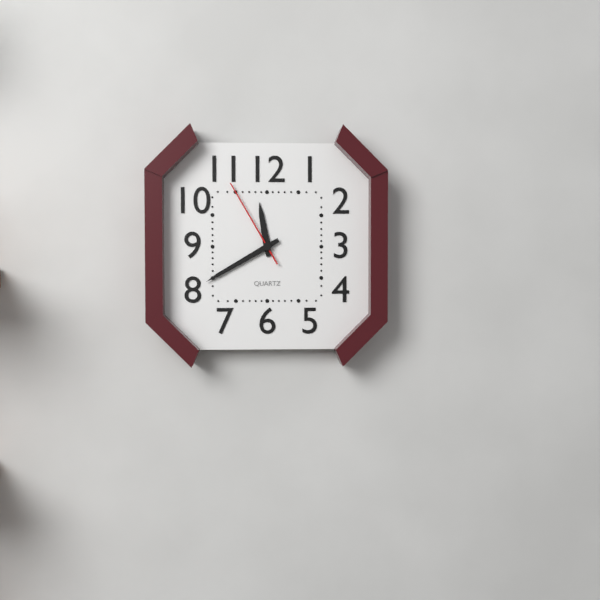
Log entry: {"hour": 11, "minute": 40, "second": 55}
